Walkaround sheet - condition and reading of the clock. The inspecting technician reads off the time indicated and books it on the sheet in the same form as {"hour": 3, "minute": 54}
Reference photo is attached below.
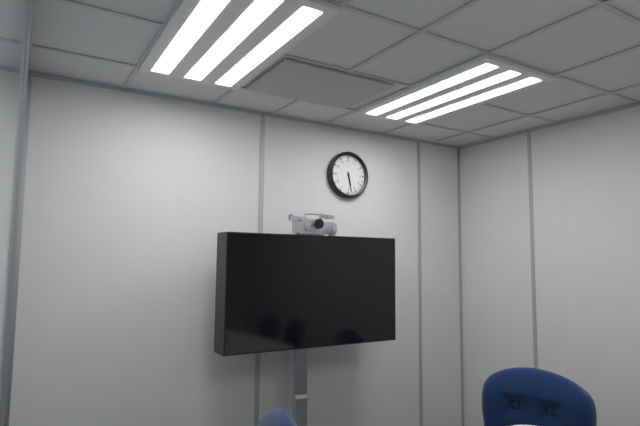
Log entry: {"hour": 5, "minute": 28}
